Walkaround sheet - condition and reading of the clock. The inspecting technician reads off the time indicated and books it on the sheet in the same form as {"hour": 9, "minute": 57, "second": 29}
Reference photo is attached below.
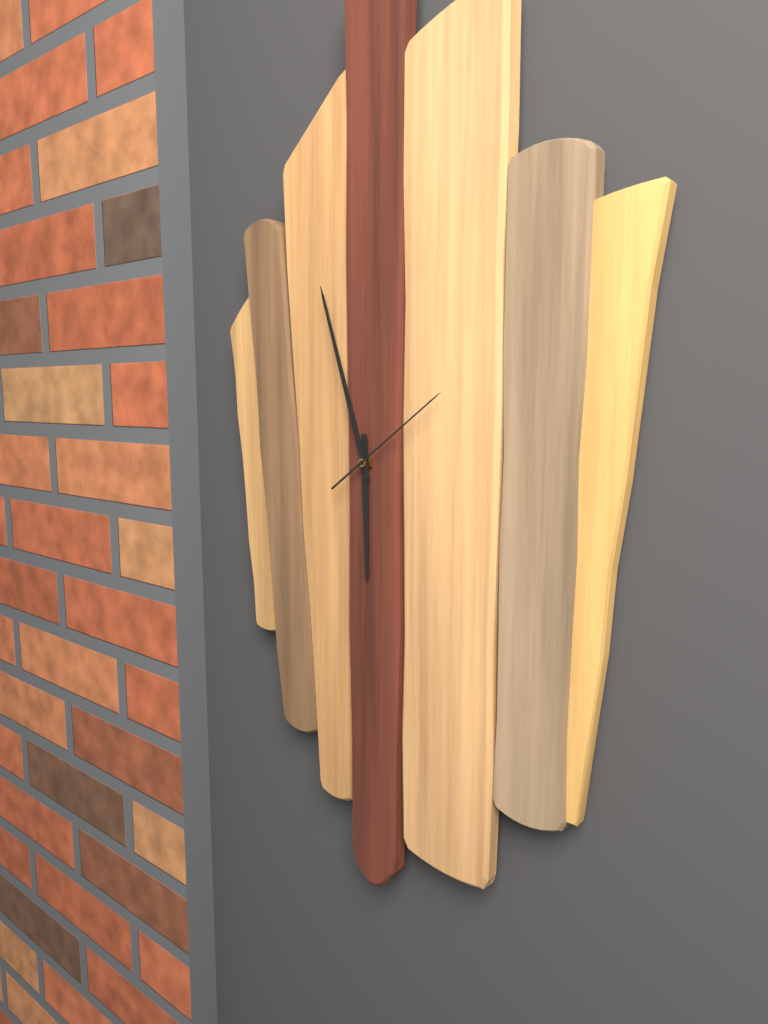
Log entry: {"hour": 5, "minute": 57, "second": 9}
